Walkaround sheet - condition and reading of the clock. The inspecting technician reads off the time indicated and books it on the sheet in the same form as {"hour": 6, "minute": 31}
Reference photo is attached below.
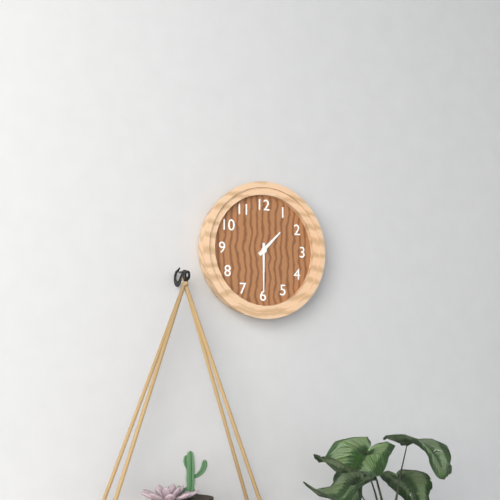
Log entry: {"hour": 1, "minute": 30}
